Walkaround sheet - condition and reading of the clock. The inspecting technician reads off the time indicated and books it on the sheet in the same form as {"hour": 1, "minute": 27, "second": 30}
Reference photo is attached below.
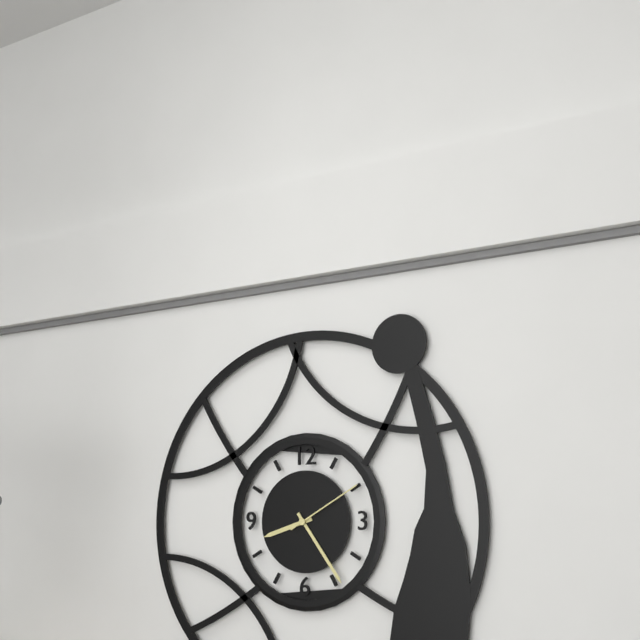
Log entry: {"hour": 8, "minute": 24, "second": 10}
